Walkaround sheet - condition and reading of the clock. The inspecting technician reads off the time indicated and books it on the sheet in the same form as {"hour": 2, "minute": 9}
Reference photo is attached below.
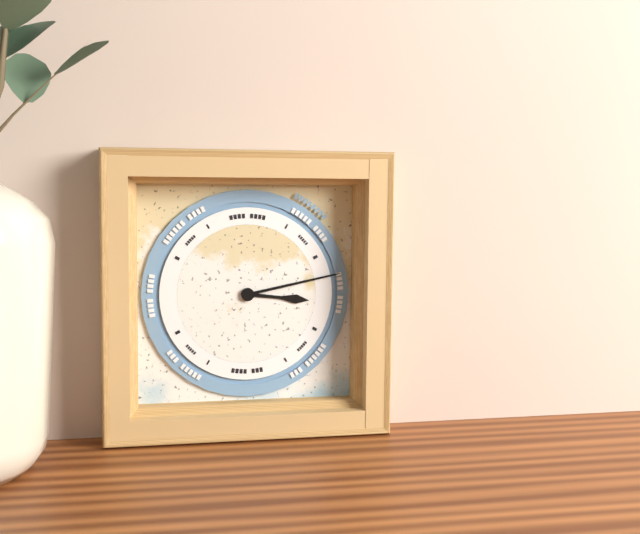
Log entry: {"hour": 3, "minute": 13}
